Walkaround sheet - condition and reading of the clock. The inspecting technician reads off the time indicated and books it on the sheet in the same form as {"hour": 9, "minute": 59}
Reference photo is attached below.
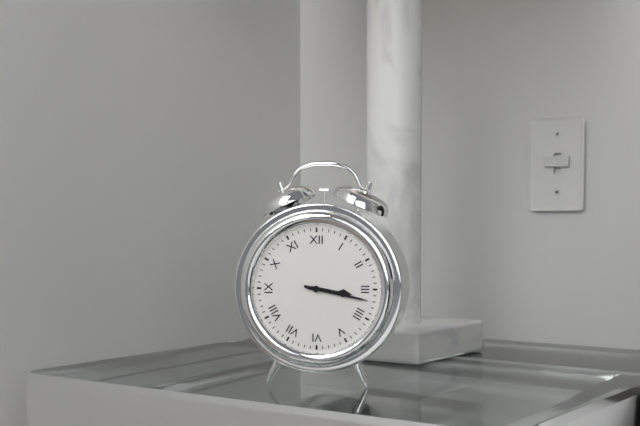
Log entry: {"hour": 3, "minute": 17}
